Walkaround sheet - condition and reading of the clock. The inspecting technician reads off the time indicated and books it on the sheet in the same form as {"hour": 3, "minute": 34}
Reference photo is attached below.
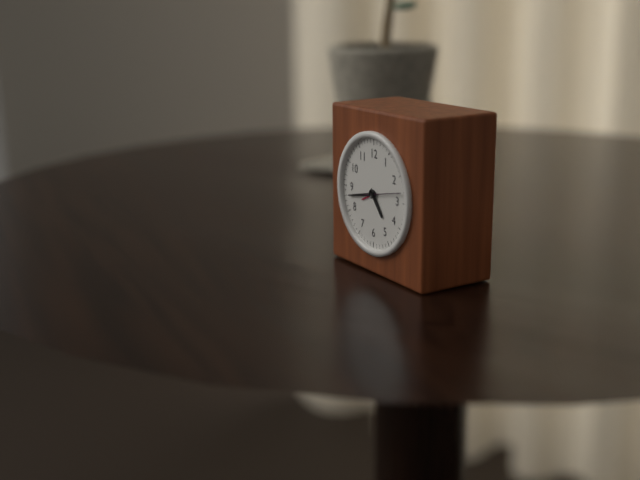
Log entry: {"hour": 4, "minute": 43}
